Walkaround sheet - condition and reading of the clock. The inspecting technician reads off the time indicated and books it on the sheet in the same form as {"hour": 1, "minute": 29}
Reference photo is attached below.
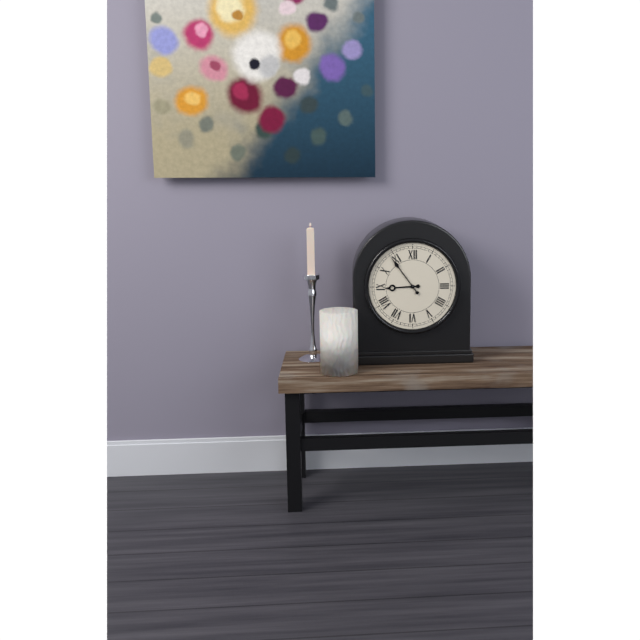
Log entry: {"hour": 8, "minute": 54}
